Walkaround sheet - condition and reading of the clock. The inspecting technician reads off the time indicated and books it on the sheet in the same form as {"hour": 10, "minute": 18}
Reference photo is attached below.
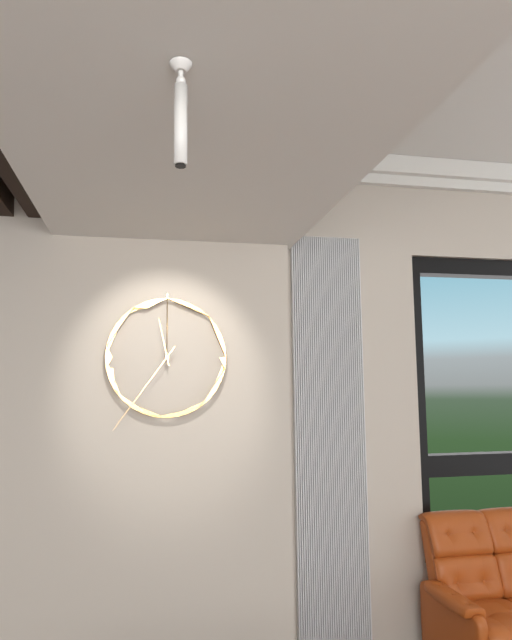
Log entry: {"hour": 11, "minute": 36}
